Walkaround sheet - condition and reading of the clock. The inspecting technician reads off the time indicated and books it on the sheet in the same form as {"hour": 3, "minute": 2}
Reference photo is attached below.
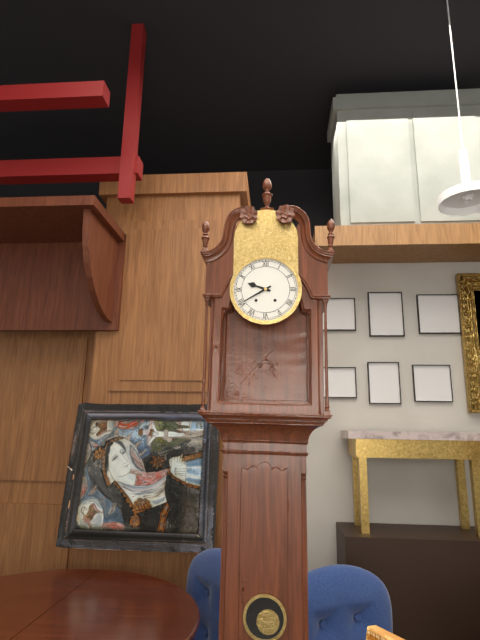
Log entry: {"hour": 9, "minute": 40}
